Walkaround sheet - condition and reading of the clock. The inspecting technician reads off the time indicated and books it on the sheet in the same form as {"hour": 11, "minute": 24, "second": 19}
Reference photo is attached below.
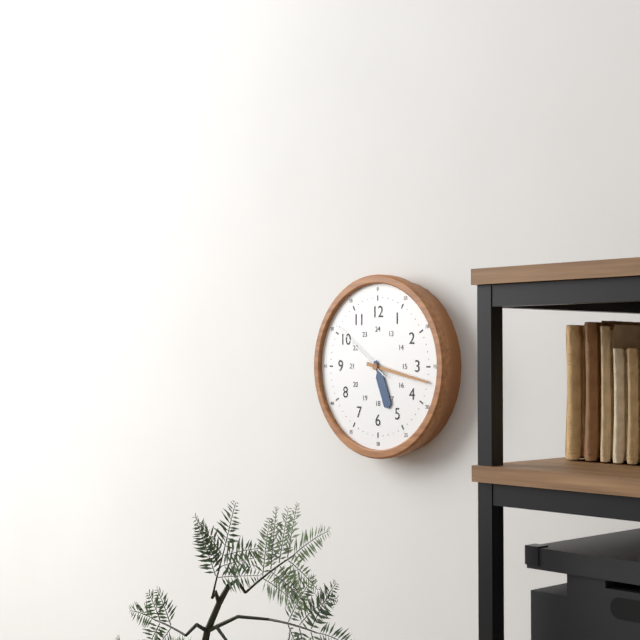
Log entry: {"hour": 5, "minute": 17, "second": 51}
